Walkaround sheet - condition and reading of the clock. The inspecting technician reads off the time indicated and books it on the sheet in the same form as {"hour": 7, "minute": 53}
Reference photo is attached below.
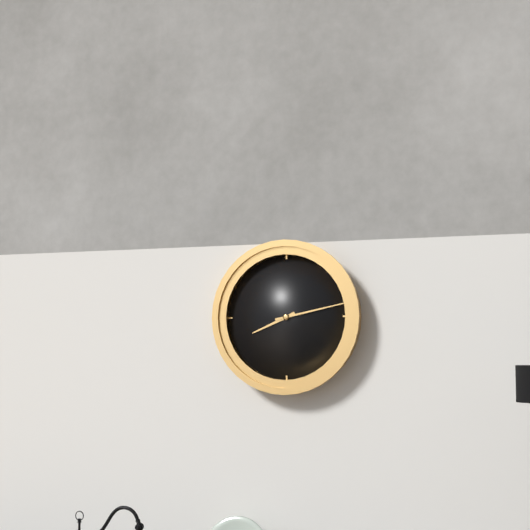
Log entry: {"hour": 8, "minute": 13}
